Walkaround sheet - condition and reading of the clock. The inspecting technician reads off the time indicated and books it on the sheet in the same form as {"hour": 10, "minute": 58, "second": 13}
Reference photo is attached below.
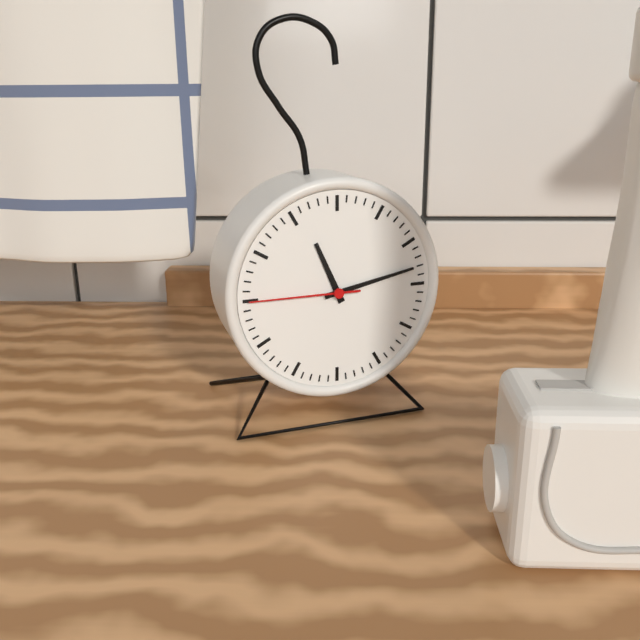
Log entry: {"hour": 11, "minute": 13, "second": 45}
